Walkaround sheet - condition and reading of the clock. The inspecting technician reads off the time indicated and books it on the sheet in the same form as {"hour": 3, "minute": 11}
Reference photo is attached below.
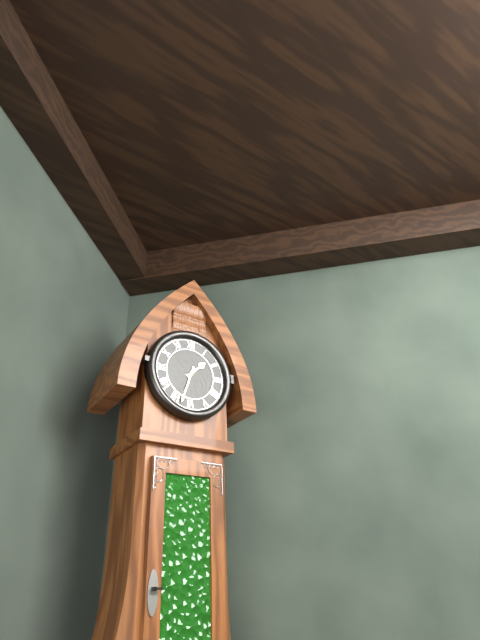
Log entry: {"hour": 1, "minute": 33}
